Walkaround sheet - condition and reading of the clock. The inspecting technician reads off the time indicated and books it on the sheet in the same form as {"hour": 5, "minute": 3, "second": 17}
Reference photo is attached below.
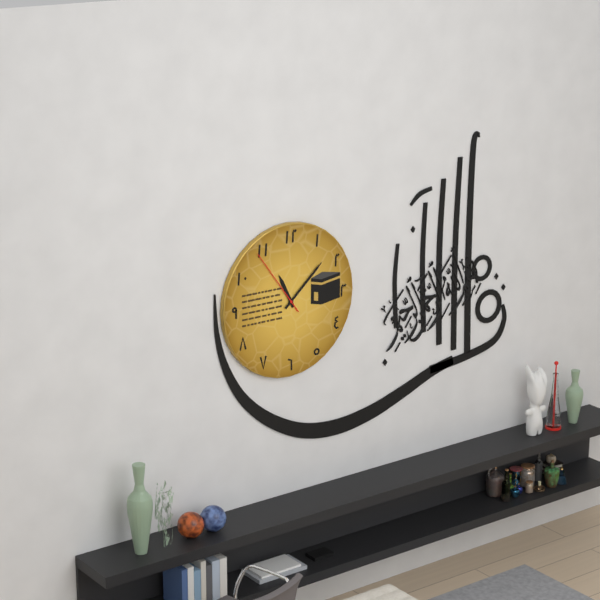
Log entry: {"hour": 11, "minute": 8, "second": 54}
